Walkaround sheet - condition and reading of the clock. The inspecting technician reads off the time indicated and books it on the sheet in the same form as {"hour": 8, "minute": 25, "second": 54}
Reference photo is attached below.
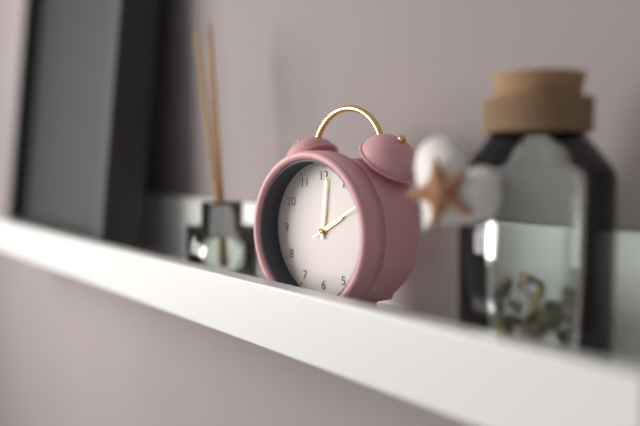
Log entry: {"hour": 2, "minute": 1, "second": 10}
